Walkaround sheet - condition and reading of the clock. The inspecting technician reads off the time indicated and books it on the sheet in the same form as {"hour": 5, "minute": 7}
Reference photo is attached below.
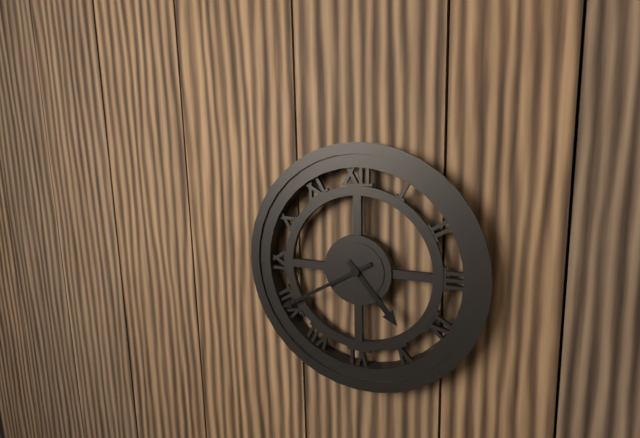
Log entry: {"hour": 4, "minute": 40}
